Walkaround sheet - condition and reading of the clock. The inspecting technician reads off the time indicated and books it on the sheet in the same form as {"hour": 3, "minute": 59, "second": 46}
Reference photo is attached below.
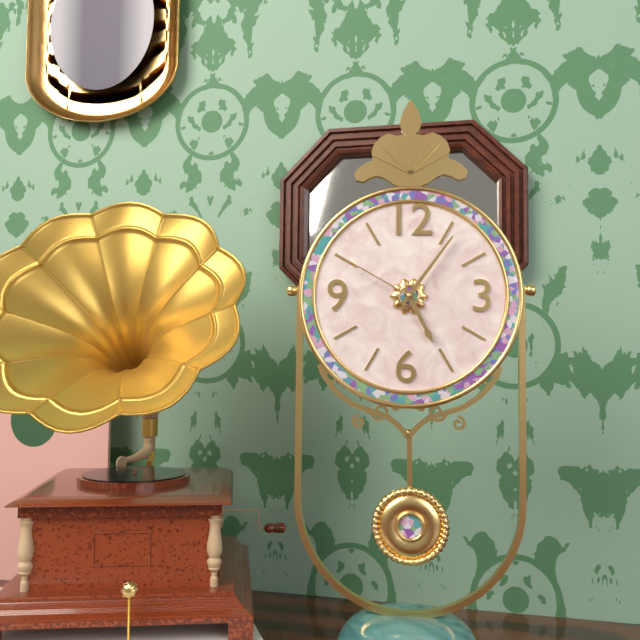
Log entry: {"hour": 5, "minute": 6, "second": 50}
